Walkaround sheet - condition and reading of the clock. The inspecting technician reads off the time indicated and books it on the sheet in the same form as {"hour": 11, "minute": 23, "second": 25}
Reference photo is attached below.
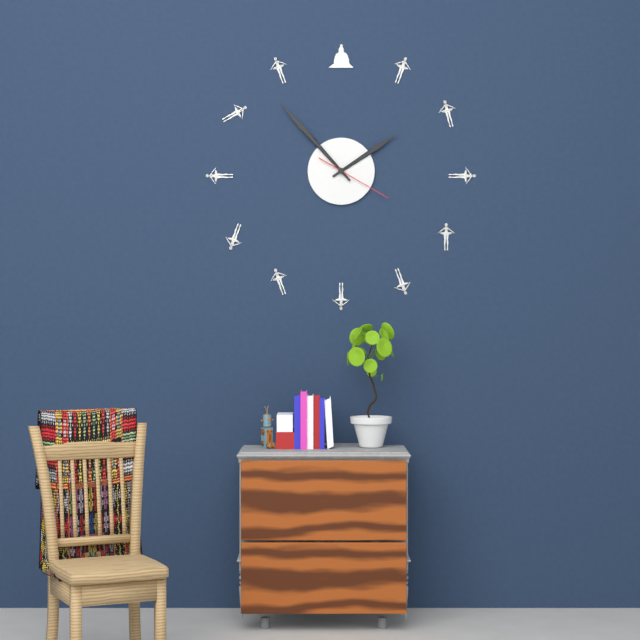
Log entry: {"hour": 1, "minute": 53, "second": 20}
